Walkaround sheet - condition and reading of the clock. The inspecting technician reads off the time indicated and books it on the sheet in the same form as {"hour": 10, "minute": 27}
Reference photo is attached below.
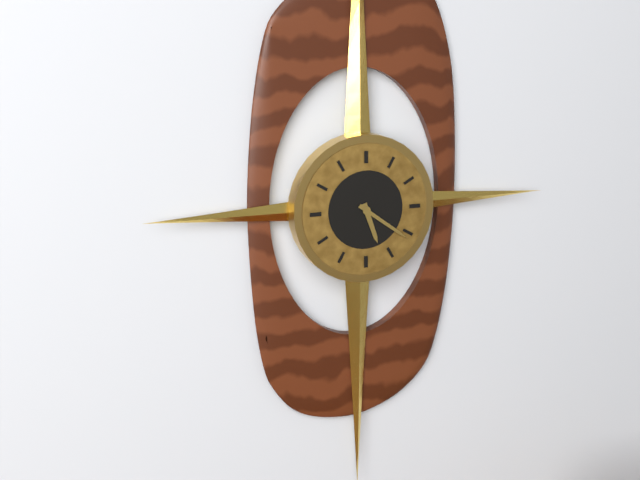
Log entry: {"hour": 5, "minute": 21}
